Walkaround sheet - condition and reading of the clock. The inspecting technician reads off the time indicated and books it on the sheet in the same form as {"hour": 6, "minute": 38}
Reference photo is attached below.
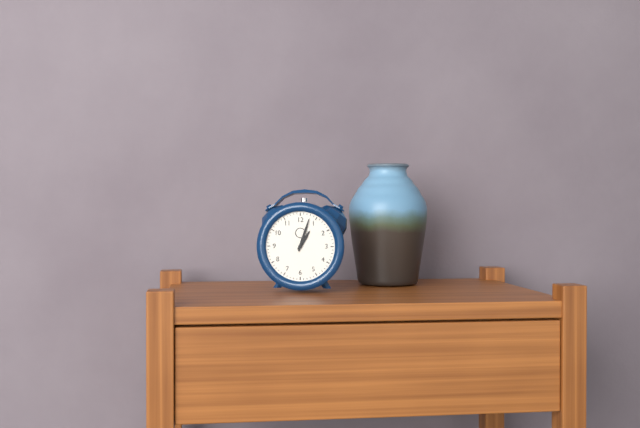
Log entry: {"hour": 1, "minute": 3}
